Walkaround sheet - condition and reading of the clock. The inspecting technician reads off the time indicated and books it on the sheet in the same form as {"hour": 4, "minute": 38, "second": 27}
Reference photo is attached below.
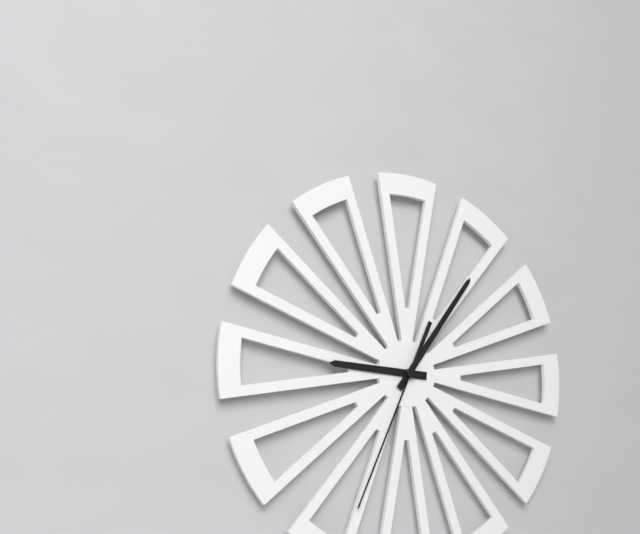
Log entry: {"hour": 9, "minute": 6, "second": 34}
